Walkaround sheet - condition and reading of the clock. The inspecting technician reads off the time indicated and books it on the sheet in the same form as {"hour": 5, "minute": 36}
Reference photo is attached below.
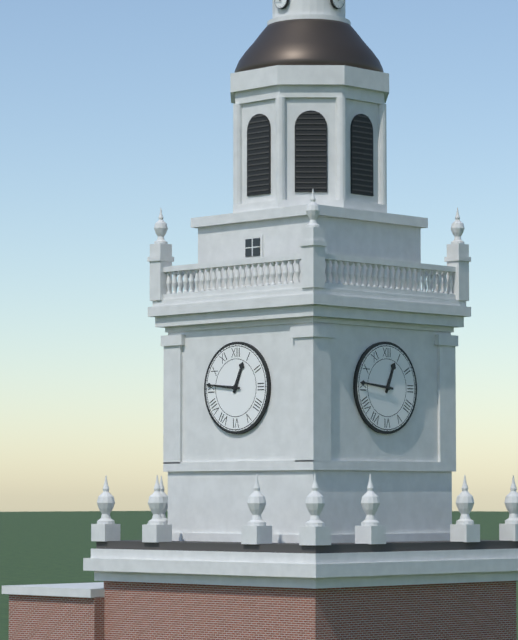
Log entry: {"hour": 12, "minute": 46}
